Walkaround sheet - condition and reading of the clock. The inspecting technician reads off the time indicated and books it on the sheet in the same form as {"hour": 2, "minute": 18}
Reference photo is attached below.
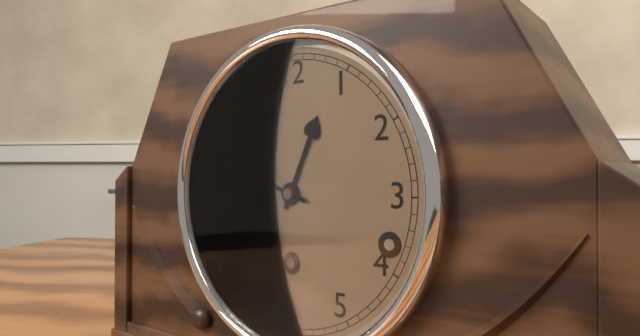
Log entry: {"hour": 12, "minute": 48}
